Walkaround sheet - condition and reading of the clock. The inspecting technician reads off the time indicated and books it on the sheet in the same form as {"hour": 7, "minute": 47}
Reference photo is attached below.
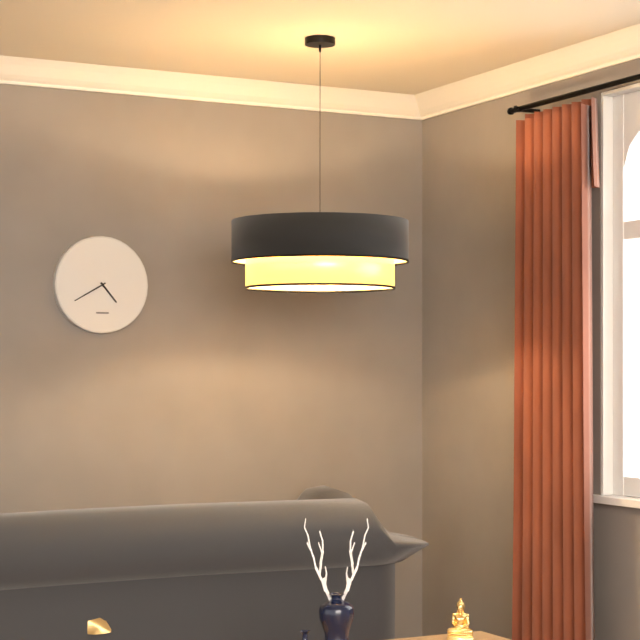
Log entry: {"hour": 4, "minute": 40}
